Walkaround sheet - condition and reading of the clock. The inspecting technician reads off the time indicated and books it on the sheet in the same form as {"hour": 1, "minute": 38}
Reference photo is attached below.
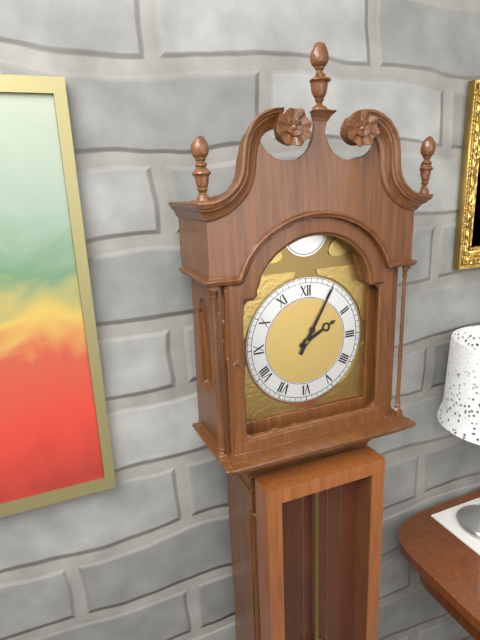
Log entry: {"hour": 2, "minute": 5}
